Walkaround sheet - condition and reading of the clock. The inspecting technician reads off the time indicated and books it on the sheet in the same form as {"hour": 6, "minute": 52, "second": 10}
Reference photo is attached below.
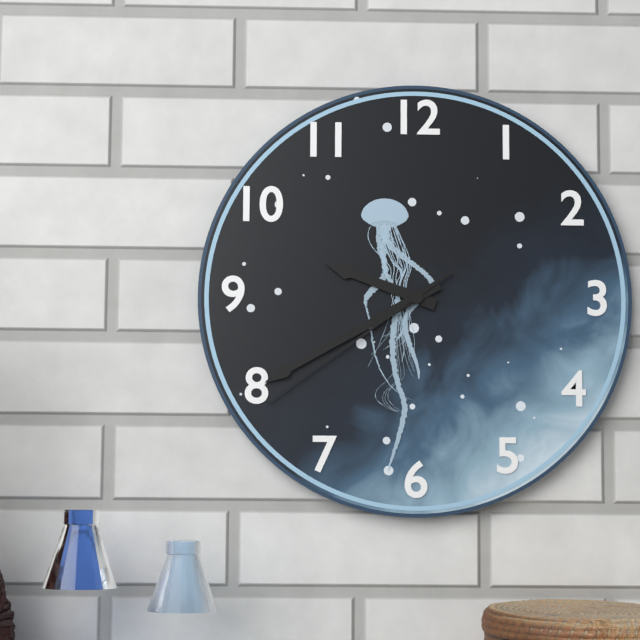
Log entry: {"hour": 9, "minute": 40, "second": 39}
